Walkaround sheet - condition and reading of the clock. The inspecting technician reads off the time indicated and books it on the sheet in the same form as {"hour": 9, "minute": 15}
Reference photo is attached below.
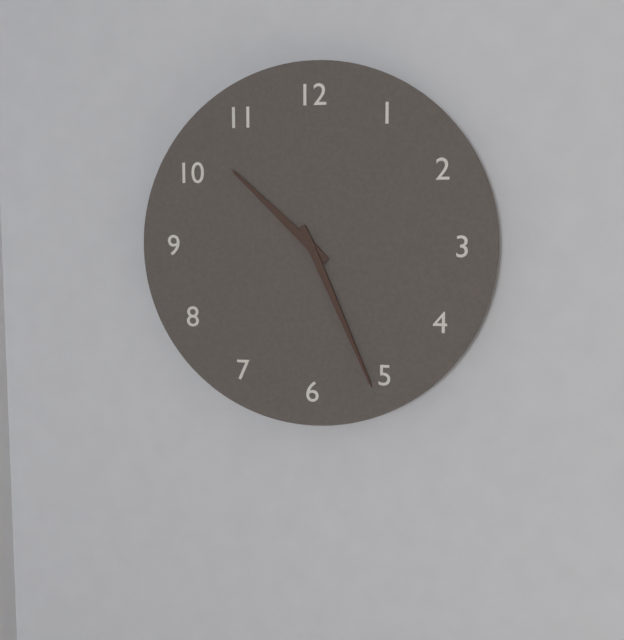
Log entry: {"hour": 10, "minute": 26}
